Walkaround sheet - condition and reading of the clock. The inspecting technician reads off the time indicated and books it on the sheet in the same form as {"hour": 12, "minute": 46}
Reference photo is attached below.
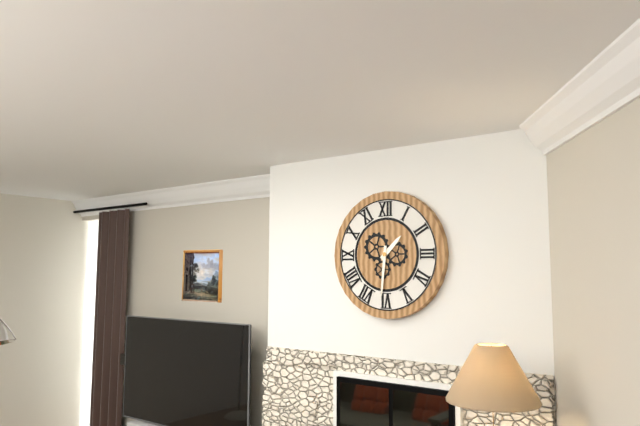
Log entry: {"hour": 1, "minute": 31}
